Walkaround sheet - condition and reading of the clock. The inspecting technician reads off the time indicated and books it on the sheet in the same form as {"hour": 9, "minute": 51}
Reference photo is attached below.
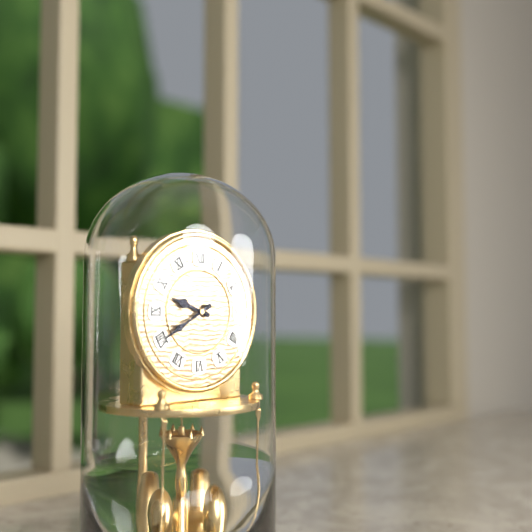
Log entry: {"hour": 9, "minute": 40}
